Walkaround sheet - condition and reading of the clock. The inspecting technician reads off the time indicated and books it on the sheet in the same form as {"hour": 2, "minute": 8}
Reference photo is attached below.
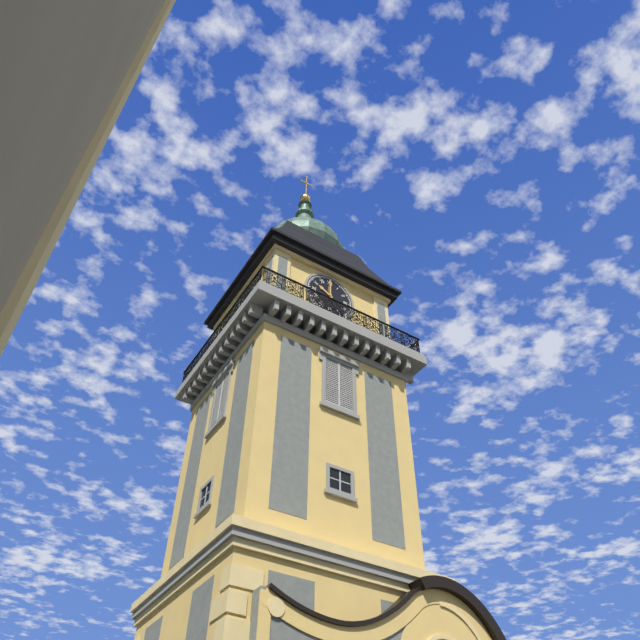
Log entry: {"hour": 10, "minute": 0}
